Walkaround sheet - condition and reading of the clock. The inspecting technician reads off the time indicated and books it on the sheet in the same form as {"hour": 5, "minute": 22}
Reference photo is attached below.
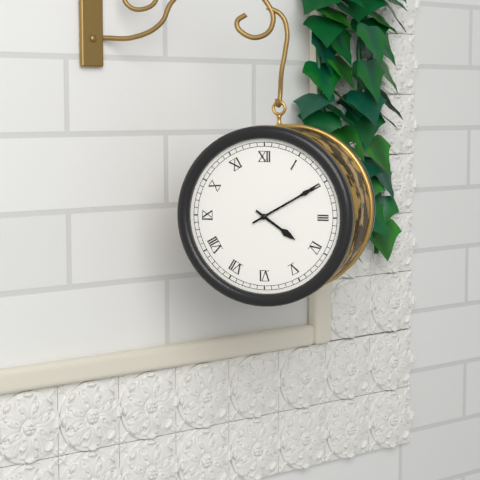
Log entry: {"hour": 4, "minute": 10}
